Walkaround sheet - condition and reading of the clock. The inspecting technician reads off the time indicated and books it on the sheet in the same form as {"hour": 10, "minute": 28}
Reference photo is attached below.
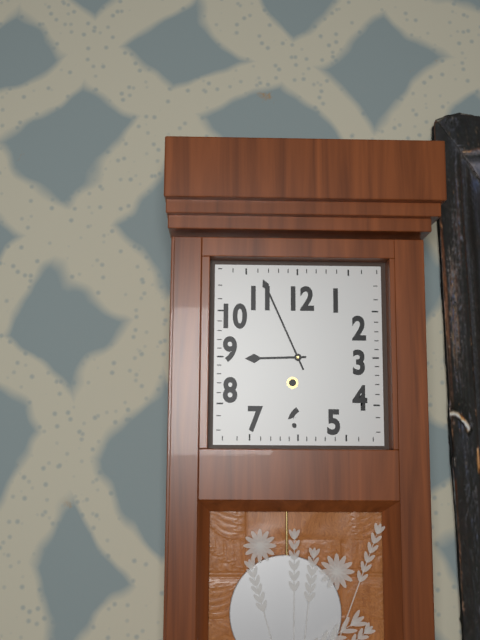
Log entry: {"hour": 8, "minute": 56}
